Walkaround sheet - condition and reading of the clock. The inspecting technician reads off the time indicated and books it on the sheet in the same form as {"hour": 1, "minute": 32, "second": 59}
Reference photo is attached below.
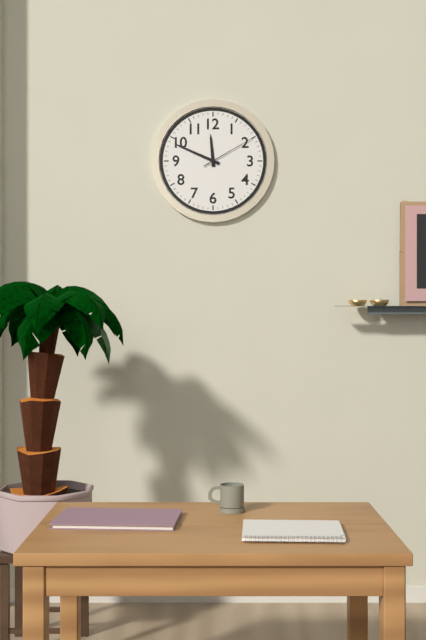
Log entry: {"hour": 11, "minute": 49, "second": 10}
